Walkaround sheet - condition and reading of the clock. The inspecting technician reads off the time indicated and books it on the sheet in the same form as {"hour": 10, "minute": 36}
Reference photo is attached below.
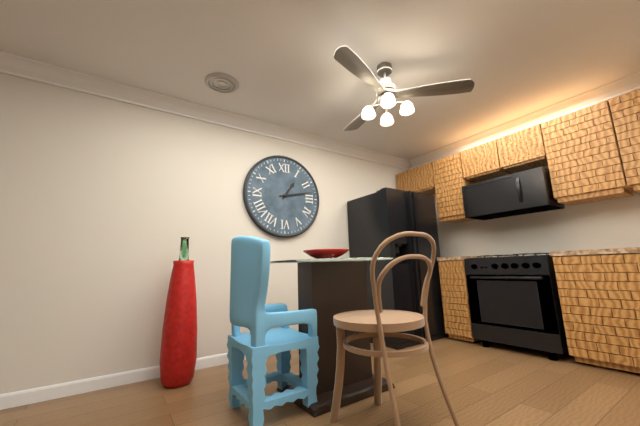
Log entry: {"hour": 1, "minute": 13}
